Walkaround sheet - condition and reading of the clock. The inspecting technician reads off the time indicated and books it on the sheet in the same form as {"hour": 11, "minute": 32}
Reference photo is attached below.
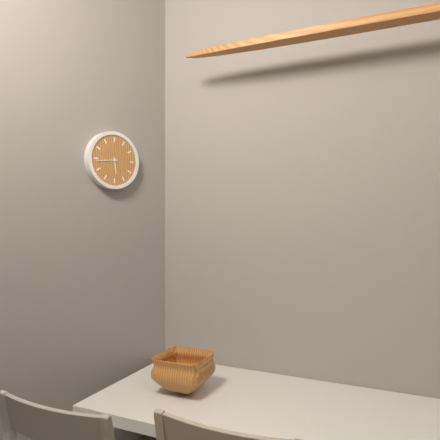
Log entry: {"hour": 5, "minute": 44}
